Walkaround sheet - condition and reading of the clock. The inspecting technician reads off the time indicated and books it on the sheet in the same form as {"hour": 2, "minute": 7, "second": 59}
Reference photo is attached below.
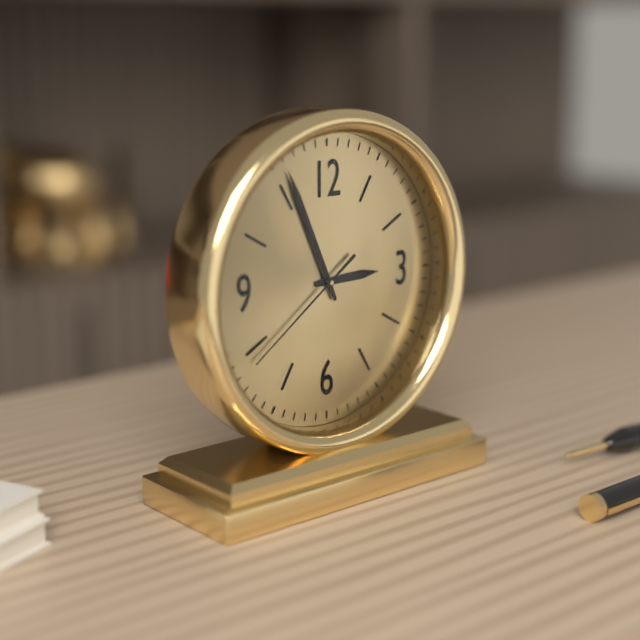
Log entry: {"hour": 2, "minute": 56, "second": 39}
